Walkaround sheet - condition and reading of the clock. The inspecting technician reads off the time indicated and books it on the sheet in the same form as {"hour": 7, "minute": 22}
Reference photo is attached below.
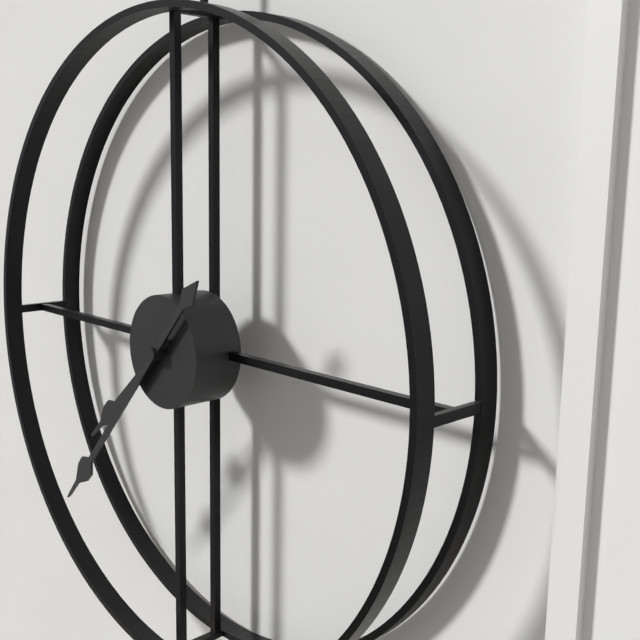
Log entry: {"hour": 7, "minute": 37}
